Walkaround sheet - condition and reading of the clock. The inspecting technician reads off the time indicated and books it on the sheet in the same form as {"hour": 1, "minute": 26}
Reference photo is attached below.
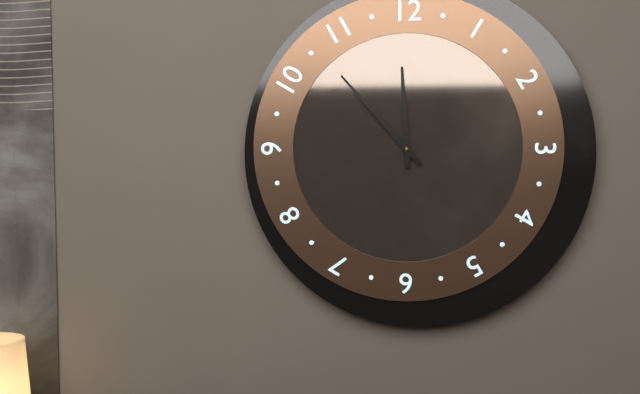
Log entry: {"hour": 11, "minute": 53}
